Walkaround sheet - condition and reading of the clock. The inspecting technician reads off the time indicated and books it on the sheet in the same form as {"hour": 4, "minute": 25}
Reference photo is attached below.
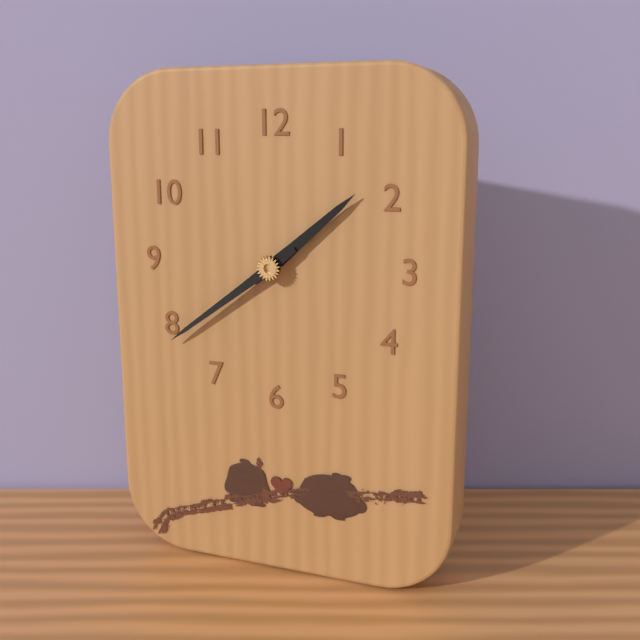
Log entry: {"hour": 1, "minute": 39}
